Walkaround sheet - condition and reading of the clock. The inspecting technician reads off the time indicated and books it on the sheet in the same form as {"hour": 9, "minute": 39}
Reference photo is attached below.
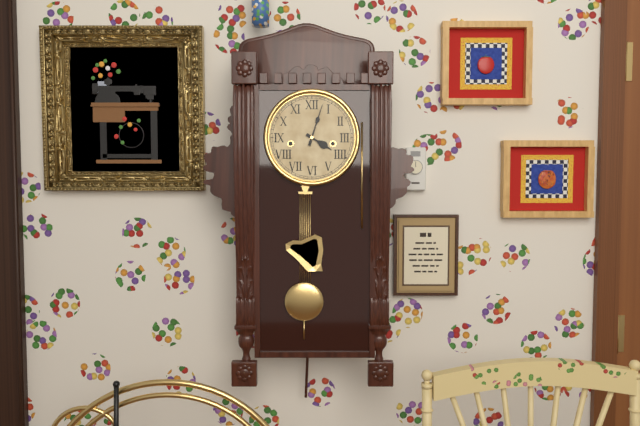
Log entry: {"hour": 4, "minute": 3}
